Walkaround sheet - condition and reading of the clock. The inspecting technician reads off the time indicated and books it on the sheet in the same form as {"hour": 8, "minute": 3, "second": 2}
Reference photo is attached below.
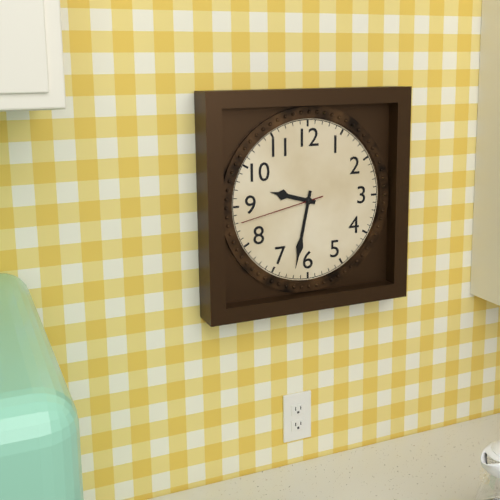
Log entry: {"hour": 9, "minute": 32, "second": 43}
